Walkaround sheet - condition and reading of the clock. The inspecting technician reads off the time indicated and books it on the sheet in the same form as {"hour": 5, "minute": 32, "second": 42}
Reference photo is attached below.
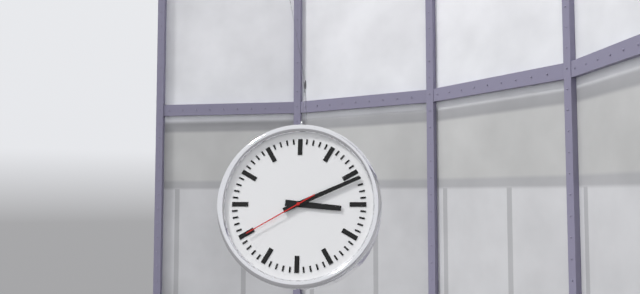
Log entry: {"hour": 3, "minute": 11, "second": 40}
